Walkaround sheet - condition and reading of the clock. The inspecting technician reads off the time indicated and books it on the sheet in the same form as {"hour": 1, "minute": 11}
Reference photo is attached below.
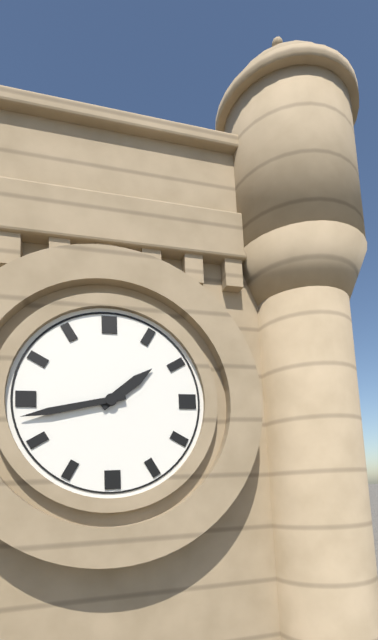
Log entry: {"hour": 1, "minute": 43}
